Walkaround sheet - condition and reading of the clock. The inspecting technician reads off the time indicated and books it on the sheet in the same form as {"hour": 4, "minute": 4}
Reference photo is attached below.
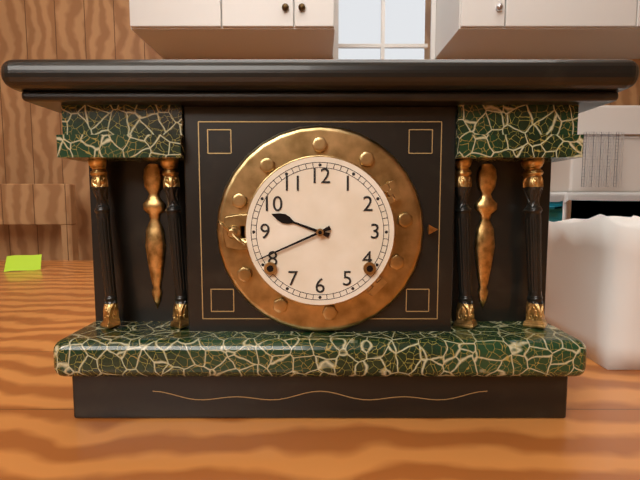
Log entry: {"hour": 9, "minute": 41}
